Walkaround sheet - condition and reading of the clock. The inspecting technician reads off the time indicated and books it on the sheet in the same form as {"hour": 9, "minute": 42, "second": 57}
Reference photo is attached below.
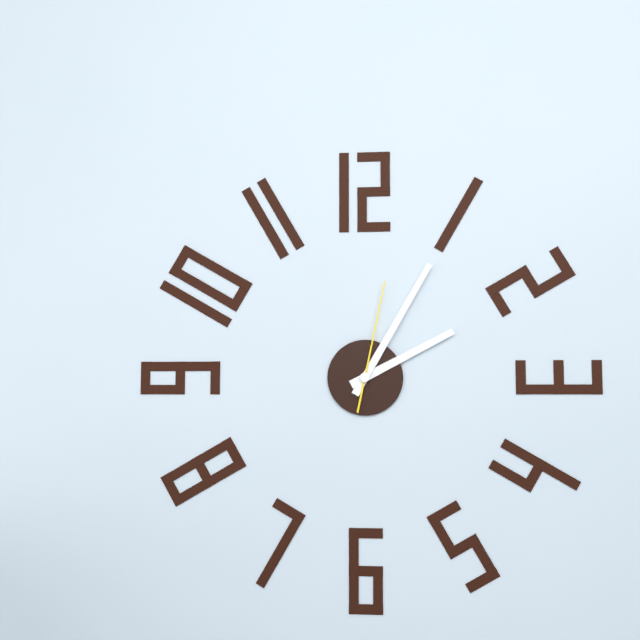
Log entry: {"hour": 2, "minute": 5, "second": 2}
